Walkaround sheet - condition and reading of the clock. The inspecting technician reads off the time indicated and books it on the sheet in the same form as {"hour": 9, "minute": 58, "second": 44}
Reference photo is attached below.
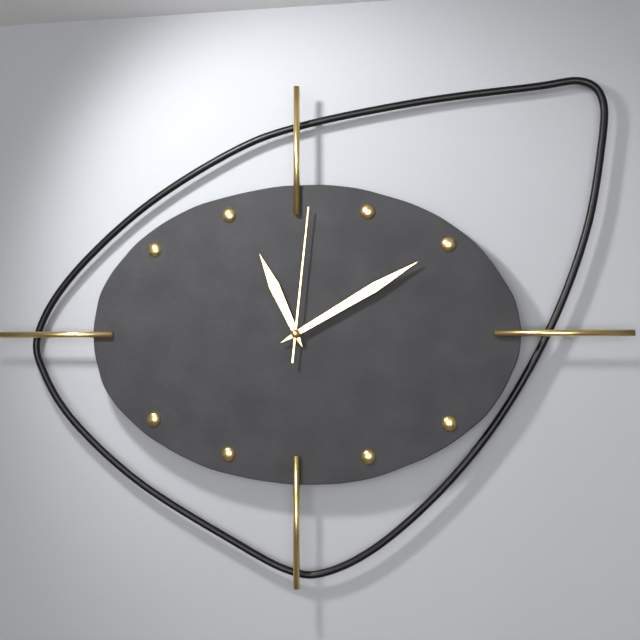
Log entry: {"hour": 11, "minute": 10, "second": 1}
